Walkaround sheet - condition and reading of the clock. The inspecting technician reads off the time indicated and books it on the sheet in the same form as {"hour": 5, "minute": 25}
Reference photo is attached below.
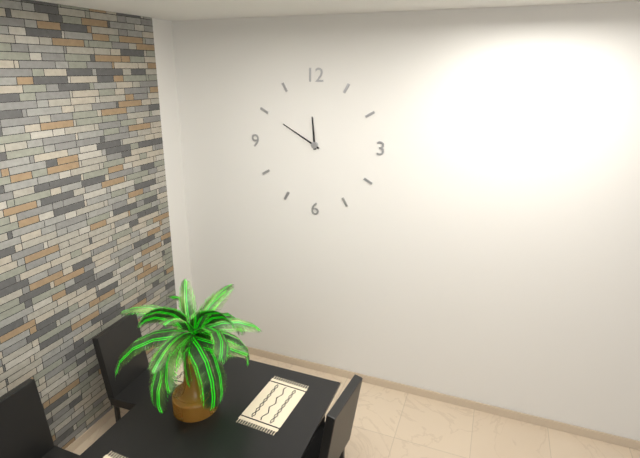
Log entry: {"hour": 11, "minute": 50}
